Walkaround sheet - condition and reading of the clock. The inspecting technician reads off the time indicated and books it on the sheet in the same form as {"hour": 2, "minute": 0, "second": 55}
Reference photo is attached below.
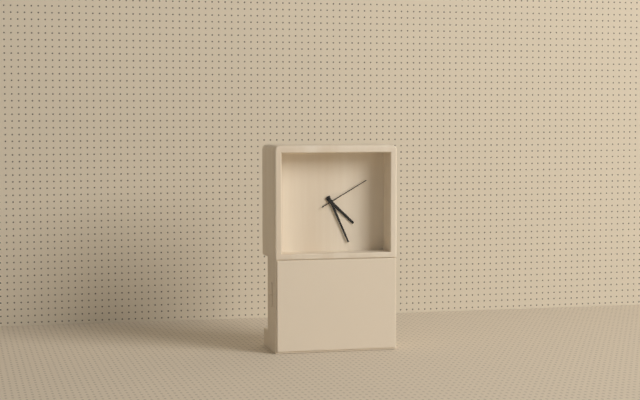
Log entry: {"hour": 4, "minute": 26, "second": 10}
